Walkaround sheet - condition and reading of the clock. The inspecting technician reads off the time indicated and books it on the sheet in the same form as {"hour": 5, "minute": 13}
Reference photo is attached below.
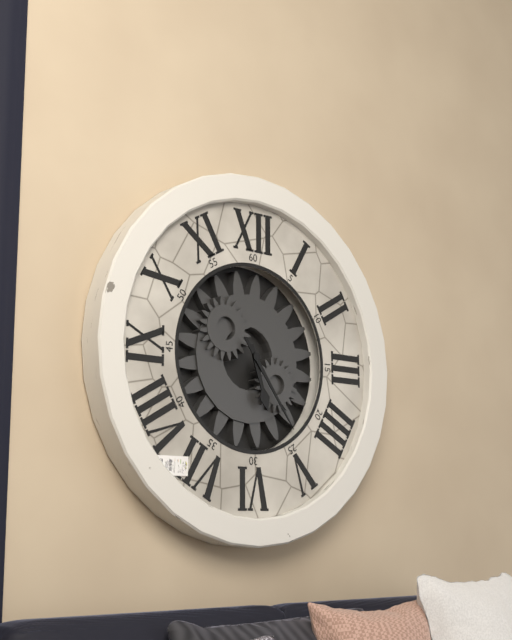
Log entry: {"hour": 5, "minute": 24}
